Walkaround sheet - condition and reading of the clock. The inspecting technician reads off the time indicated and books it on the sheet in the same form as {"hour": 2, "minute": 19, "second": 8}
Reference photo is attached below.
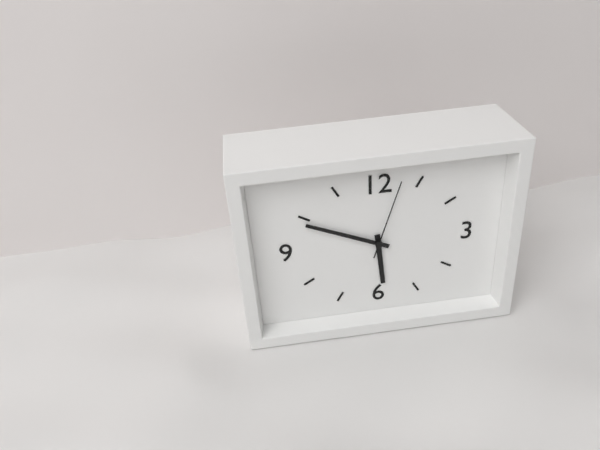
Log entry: {"hour": 5, "minute": 49, "second": 3}
